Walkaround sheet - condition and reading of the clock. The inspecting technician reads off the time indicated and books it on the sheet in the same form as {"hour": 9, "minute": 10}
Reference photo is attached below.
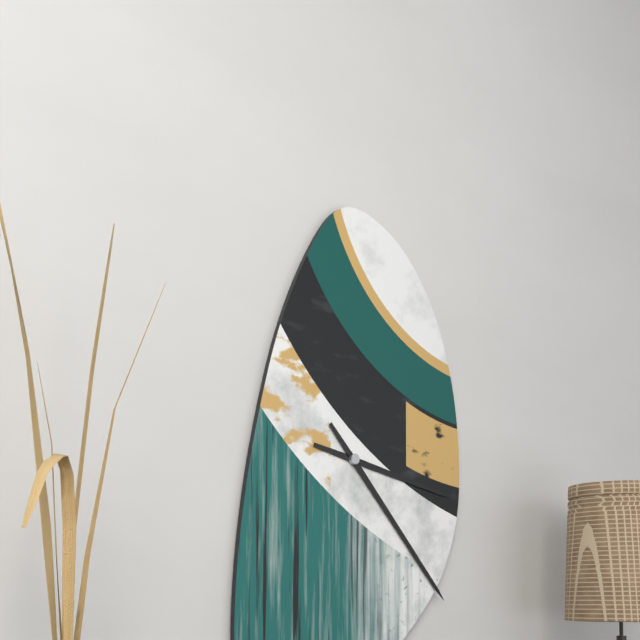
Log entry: {"hour": 3, "minute": 23}
